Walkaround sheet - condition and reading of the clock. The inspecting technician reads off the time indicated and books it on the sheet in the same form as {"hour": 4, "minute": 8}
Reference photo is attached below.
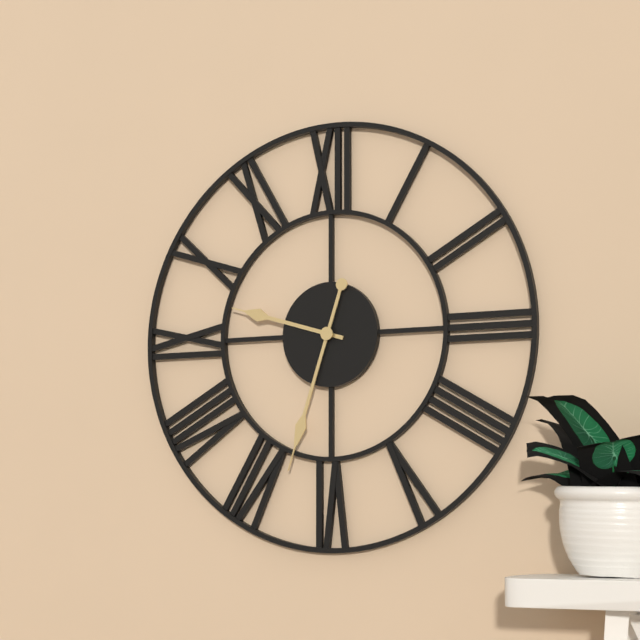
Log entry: {"hour": 9, "minute": 33}
